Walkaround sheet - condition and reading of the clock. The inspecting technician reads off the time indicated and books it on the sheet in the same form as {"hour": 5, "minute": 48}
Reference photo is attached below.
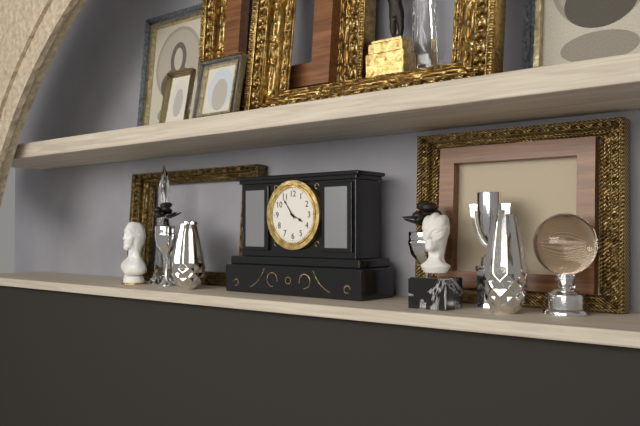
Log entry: {"hour": 3, "minute": 54}
